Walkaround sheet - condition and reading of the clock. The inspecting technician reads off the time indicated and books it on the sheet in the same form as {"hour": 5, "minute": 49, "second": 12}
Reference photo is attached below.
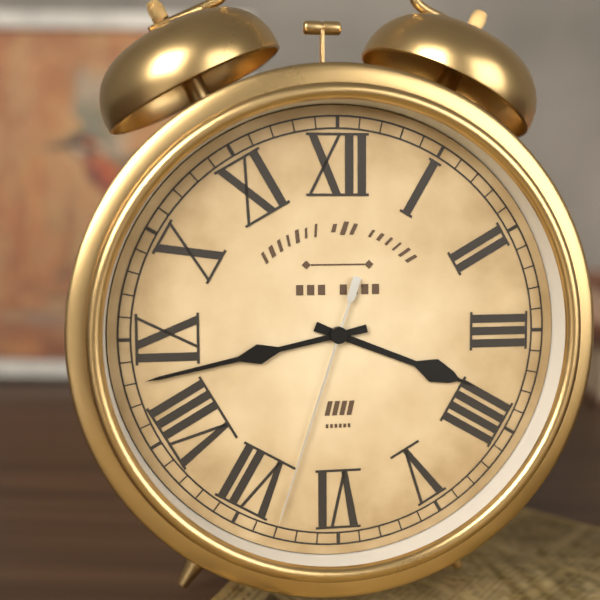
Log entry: {"hour": 3, "minute": 43, "second": 33}
